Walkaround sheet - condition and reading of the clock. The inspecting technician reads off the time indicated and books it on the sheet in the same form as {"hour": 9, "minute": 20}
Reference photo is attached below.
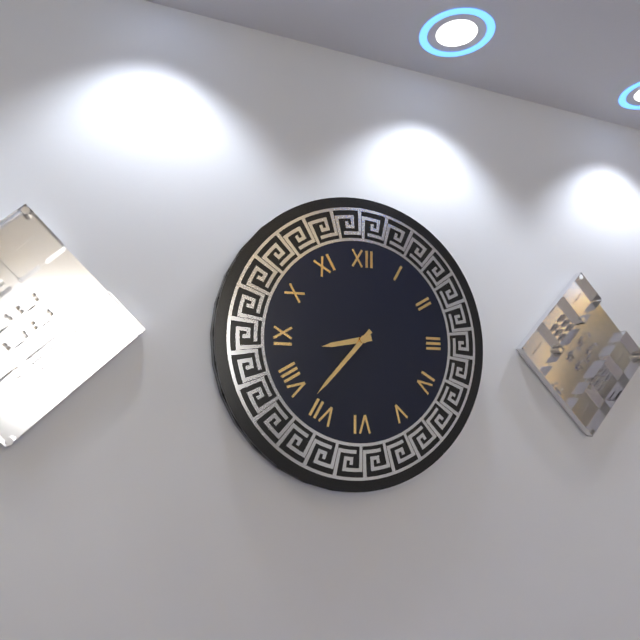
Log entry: {"hour": 8, "minute": 37}
